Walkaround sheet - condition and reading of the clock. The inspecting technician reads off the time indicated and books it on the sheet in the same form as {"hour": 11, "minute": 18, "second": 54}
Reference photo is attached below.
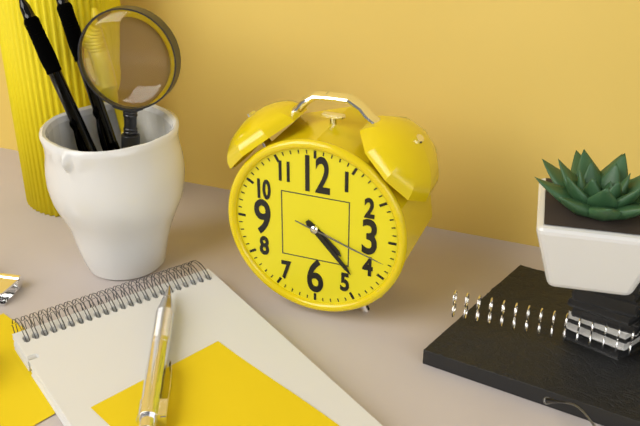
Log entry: {"hour": 4, "minute": 23, "second": 18}
